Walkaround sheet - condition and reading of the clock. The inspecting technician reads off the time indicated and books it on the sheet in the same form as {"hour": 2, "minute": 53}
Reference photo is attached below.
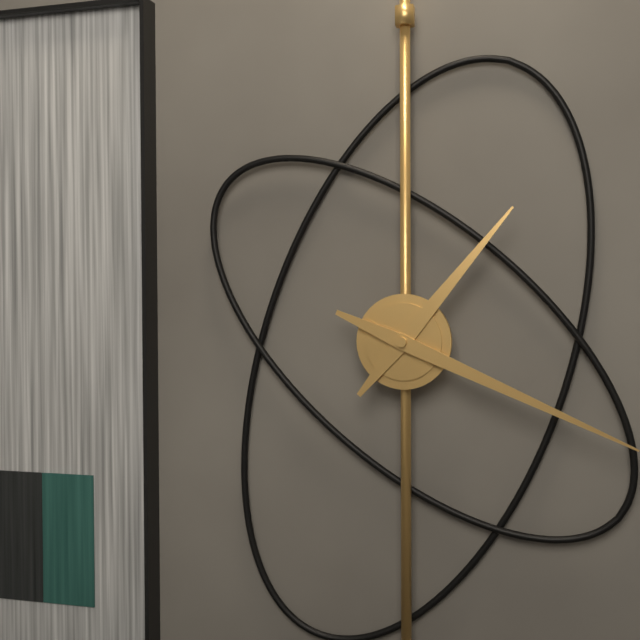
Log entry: {"hour": 1, "minute": 19}
